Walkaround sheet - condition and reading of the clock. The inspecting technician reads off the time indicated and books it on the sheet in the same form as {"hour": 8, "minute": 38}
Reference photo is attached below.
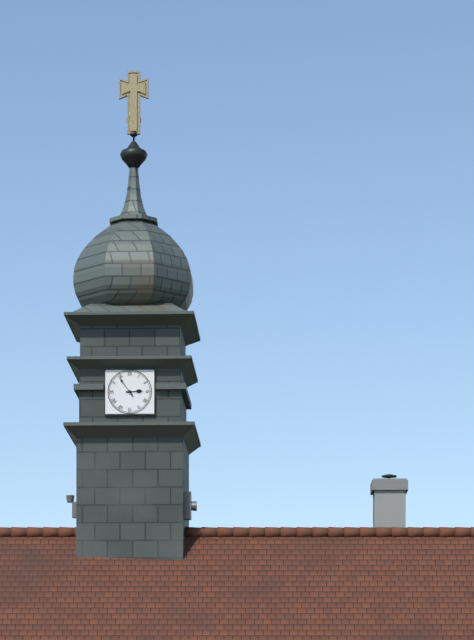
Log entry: {"hour": 2, "minute": 54}
